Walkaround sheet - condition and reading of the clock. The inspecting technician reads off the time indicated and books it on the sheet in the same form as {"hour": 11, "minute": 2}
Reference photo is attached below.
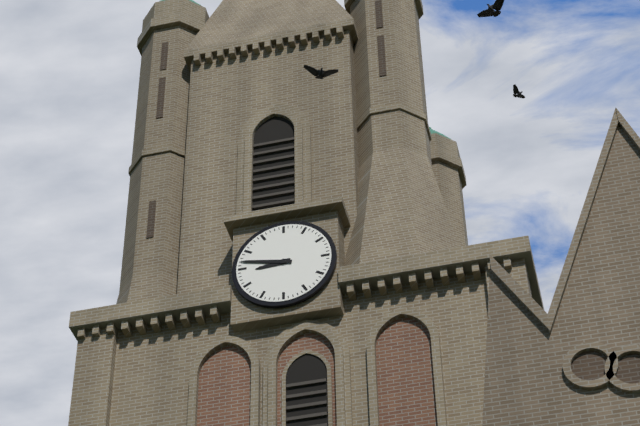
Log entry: {"hour": 8, "minute": 47}
